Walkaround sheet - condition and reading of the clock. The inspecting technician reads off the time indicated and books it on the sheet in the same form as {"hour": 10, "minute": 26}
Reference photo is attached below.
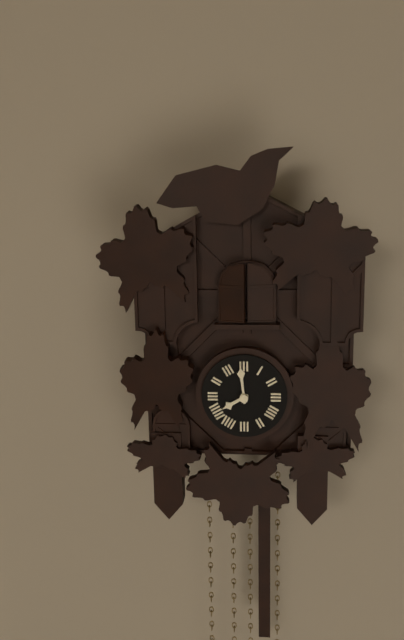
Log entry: {"hour": 7, "minute": 59}
